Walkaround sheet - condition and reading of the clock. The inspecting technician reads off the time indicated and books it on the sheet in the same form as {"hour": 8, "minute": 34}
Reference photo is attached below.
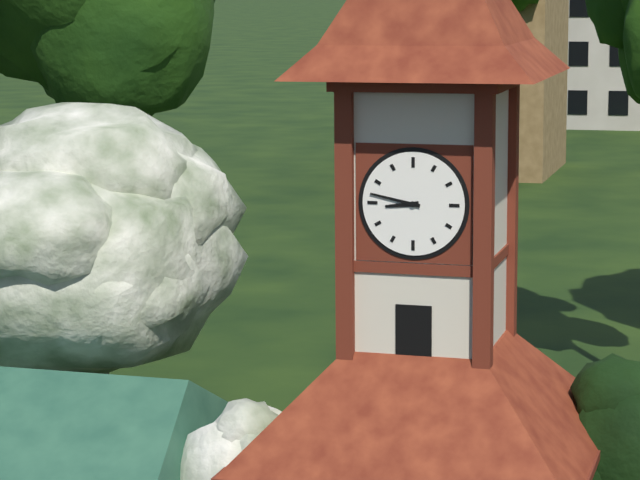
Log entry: {"hour": 8, "minute": 47}
